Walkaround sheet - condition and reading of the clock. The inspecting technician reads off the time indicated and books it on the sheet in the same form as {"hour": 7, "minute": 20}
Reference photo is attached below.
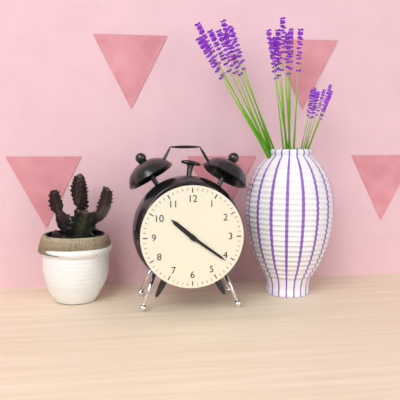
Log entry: {"hour": 10, "minute": 21}
